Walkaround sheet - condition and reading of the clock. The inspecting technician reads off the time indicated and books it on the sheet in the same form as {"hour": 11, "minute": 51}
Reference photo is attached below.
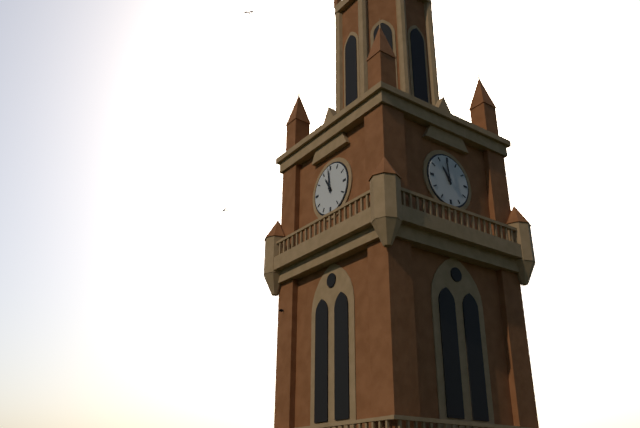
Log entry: {"hour": 10, "minute": 59}
